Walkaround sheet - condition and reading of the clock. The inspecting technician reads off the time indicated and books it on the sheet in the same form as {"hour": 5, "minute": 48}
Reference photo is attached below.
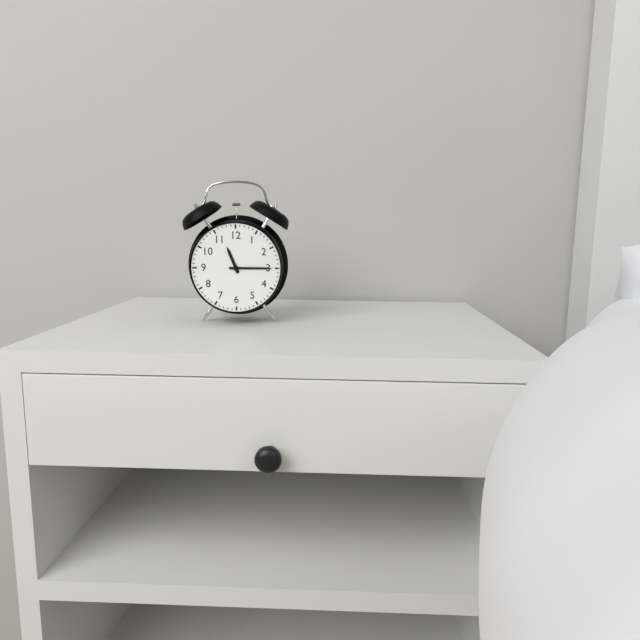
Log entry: {"hour": 11, "minute": 15}
